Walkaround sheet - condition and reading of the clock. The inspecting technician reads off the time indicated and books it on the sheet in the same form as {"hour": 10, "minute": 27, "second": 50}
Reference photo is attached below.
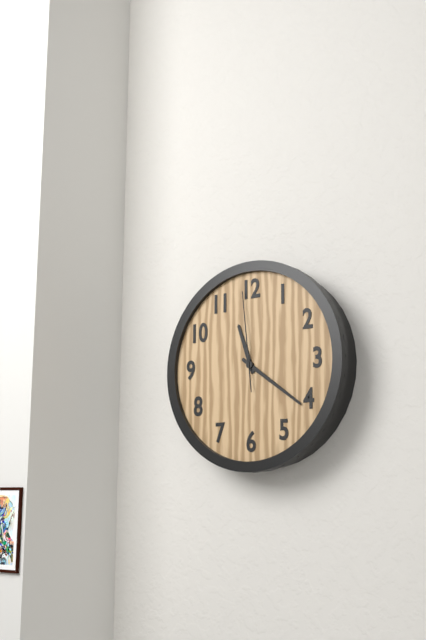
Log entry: {"hour": 11, "minute": 21, "second": 59}
